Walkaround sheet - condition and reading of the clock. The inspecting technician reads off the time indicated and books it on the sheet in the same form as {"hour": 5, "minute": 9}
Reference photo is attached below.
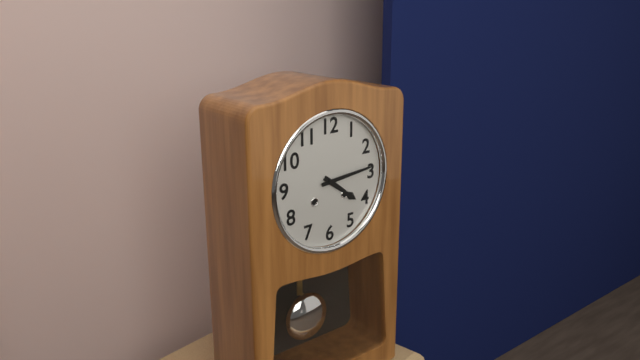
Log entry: {"hour": 4, "minute": 14}
